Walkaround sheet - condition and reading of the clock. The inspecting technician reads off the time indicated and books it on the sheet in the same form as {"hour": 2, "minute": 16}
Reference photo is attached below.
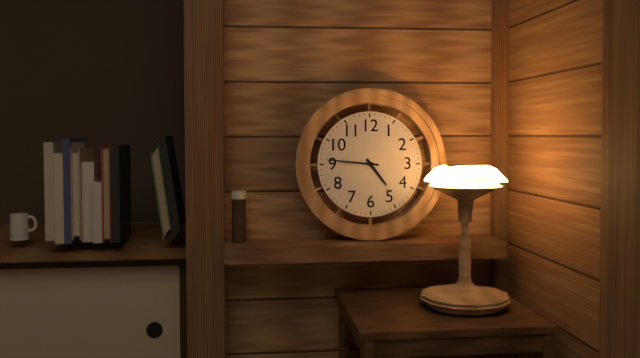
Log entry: {"hour": 4, "minute": 46}
